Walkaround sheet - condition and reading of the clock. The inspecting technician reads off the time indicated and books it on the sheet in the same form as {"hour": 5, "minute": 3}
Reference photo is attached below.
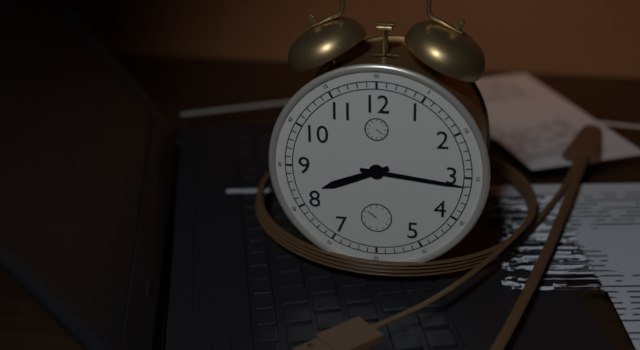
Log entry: {"hour": 8, "minute": 16}
